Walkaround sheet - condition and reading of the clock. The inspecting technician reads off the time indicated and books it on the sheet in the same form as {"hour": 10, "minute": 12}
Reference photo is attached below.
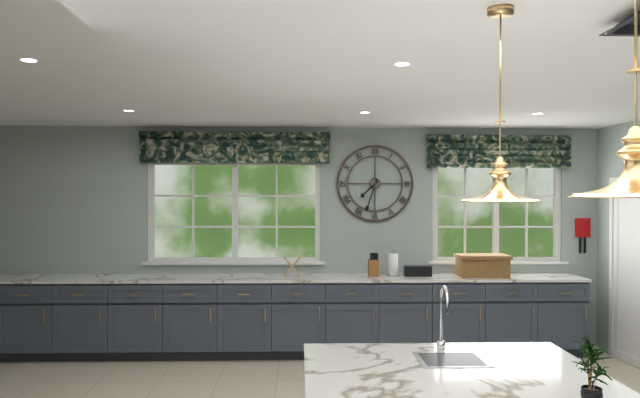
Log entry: {"hour": 7, "minute": 33}
